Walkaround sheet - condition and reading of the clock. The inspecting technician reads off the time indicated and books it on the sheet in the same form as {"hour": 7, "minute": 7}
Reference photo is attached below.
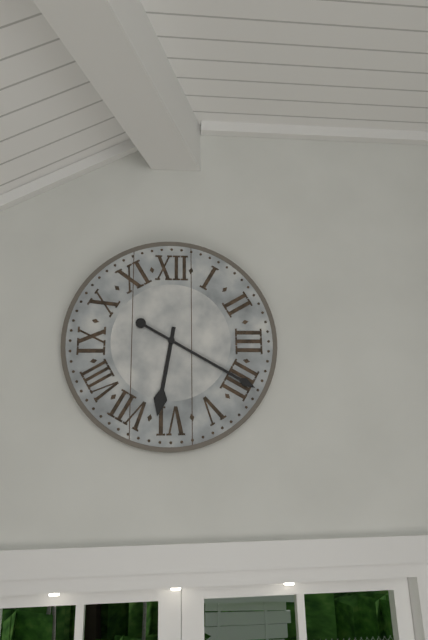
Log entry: {"hour": 6, "minute": 20}
